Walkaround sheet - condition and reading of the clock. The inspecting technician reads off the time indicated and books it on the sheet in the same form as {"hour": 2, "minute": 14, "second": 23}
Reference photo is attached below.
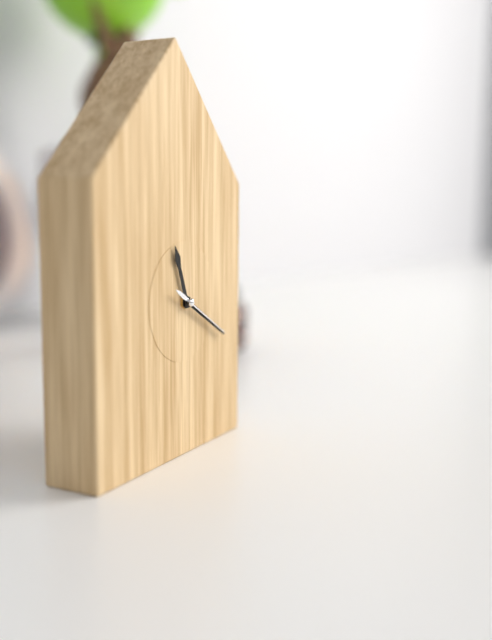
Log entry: {"hour": 11, "minute": 20, "second": 20}
